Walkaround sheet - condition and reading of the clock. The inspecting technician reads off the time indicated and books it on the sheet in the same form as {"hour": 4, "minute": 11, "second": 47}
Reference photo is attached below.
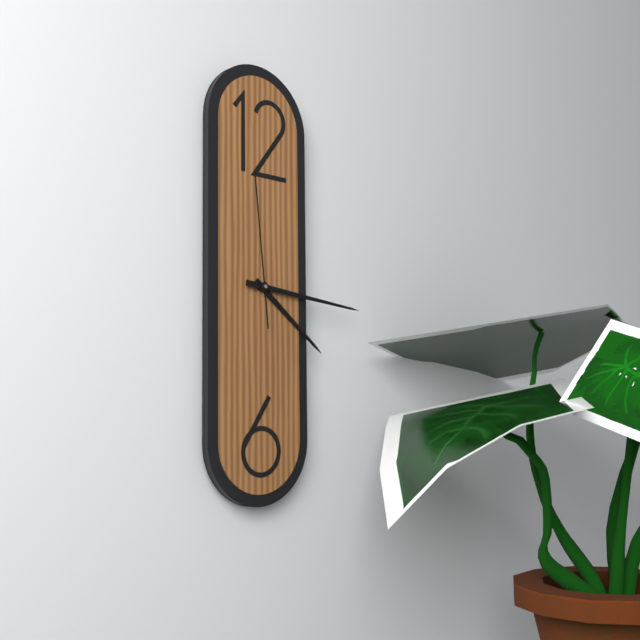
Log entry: {"hour": 4, "minute": 16, "second": 59}
